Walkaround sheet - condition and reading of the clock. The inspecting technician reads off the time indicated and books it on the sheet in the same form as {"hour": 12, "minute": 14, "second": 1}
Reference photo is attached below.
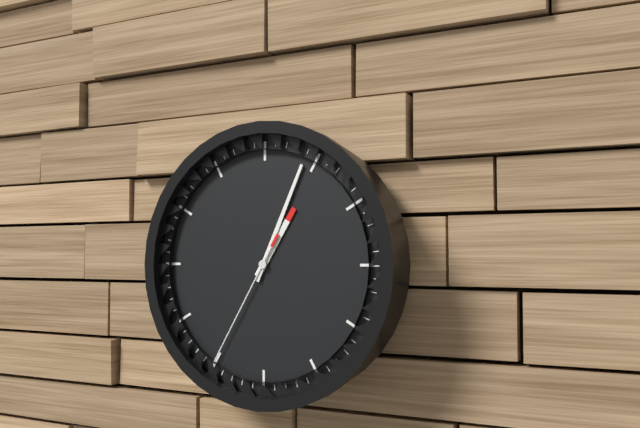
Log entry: {"hour": 1, "minute": 4, "second": 35}
